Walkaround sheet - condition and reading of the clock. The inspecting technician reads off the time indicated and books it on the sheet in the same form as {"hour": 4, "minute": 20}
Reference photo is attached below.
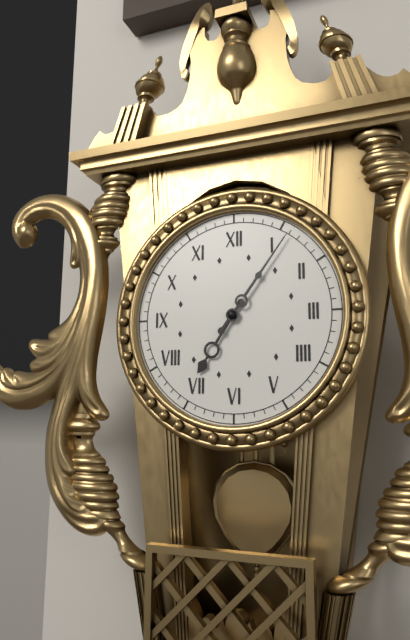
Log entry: {"hour": 7, "minute": 6}
